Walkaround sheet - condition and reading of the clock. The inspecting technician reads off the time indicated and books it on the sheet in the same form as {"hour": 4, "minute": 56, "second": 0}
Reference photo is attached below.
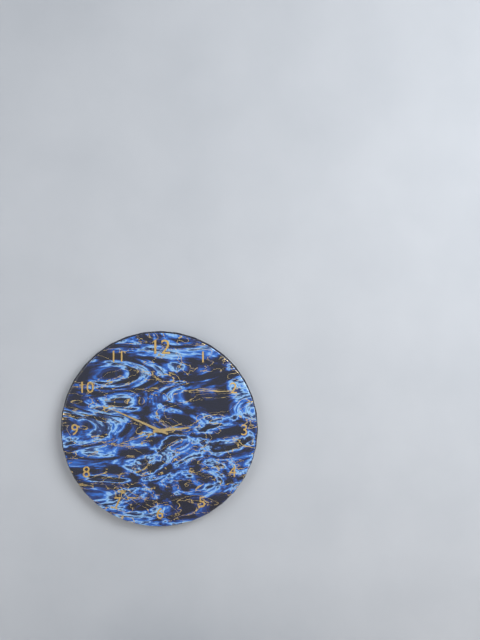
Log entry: {"hour": 2, "minute": 49, "second": 42}
